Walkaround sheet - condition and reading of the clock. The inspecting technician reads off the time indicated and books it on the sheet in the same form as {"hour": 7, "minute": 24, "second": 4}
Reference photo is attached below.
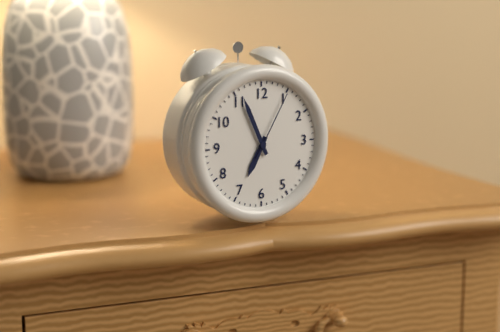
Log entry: {"hour": 6, "minute": 56, "second": 5}
